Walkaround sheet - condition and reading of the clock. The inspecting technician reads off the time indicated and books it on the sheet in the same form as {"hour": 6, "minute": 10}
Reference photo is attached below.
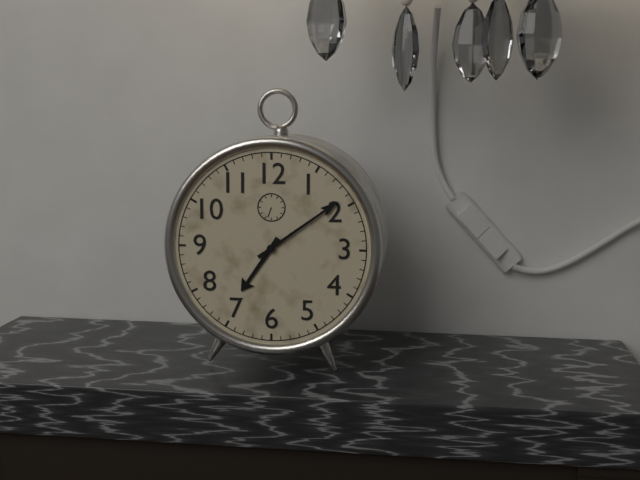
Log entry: {"hour": 7, "minute": 9}
